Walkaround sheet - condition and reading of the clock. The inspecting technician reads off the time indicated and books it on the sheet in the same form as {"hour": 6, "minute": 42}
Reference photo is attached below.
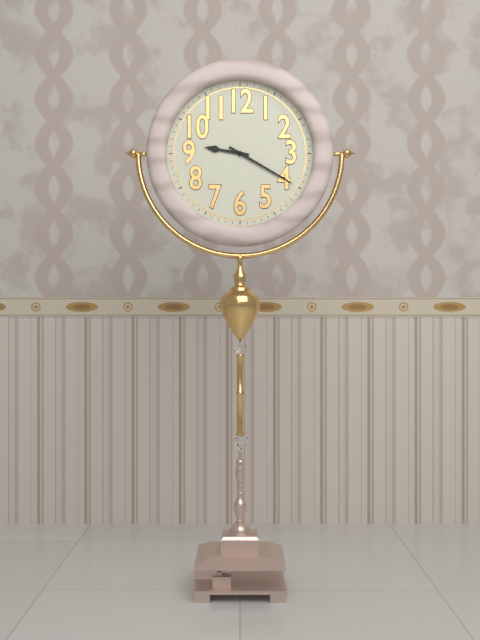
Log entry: {"hour": 9, "minute": 20}
